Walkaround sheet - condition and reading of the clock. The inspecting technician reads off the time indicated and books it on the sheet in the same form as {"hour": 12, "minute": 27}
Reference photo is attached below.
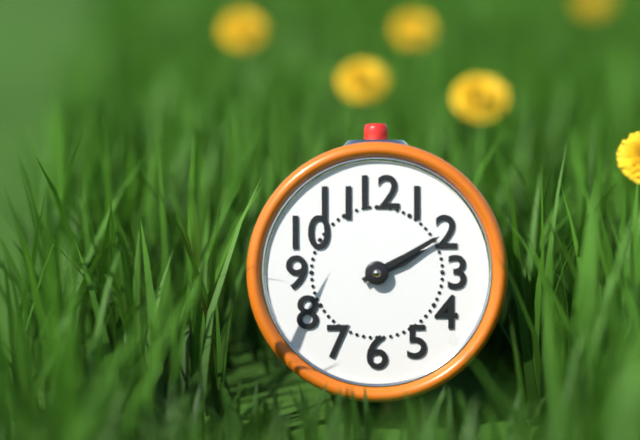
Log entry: {"hour": 2, "minute": 10}
